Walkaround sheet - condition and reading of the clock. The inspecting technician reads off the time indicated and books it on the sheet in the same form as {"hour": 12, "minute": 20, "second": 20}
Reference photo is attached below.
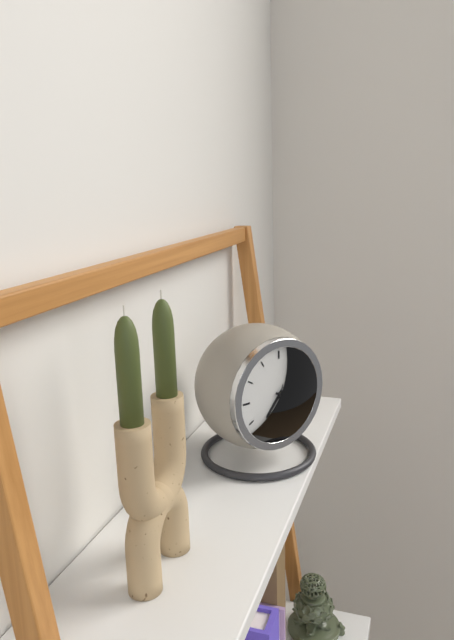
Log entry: {"hour": 7, "minute": 20, "second": 33}
